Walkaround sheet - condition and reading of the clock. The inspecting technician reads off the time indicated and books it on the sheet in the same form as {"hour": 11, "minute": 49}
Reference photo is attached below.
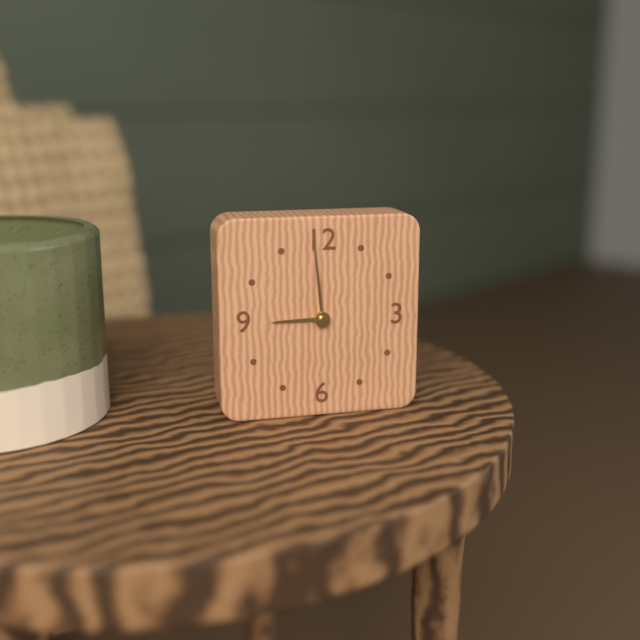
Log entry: {"hour": 8, "minute": 59}
